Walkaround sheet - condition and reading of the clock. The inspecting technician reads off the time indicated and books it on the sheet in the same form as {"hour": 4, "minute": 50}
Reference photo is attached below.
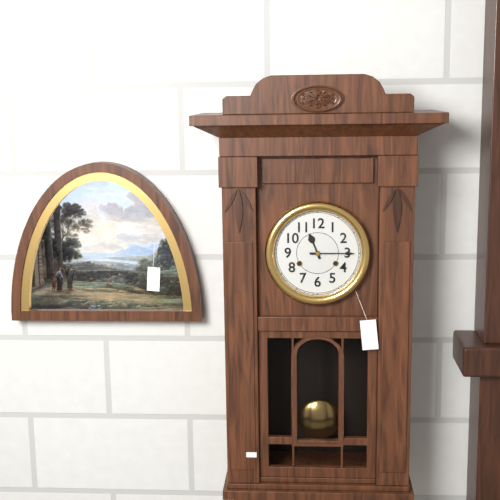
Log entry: {"hour": 11, "minute": 15}
